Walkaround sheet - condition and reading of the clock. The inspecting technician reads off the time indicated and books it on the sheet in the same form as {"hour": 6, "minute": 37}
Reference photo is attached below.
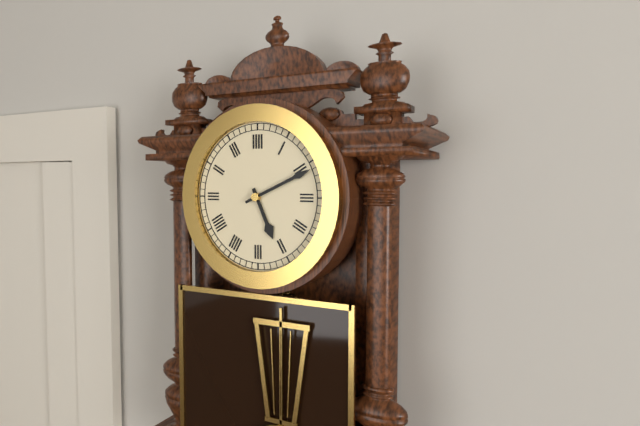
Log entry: {"hour": 5, "minute": 11}
